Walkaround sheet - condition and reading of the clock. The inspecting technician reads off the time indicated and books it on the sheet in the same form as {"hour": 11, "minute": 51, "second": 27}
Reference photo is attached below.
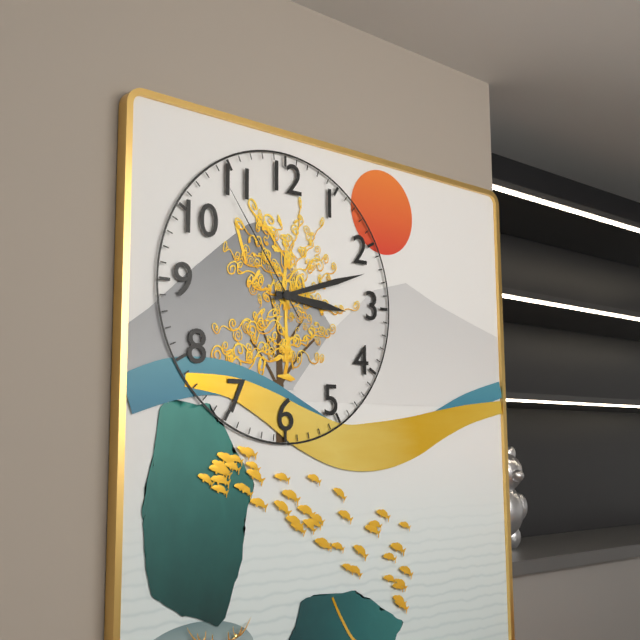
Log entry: {"hour": 3, "minute": 12, "second": 54}
